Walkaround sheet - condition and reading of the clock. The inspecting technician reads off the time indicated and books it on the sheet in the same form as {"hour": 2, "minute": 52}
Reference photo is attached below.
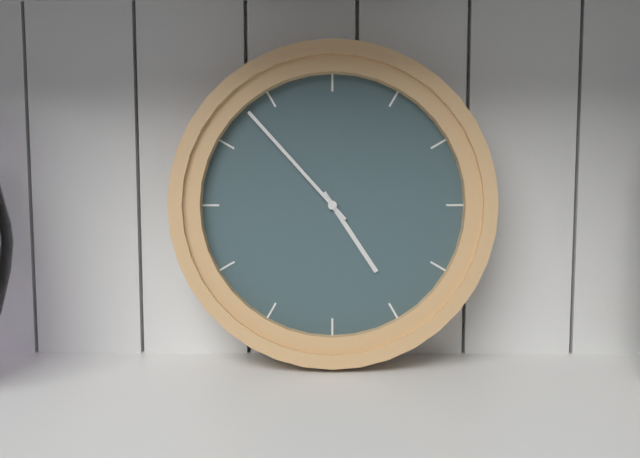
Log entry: {"hour": 4, "minute": 53}
